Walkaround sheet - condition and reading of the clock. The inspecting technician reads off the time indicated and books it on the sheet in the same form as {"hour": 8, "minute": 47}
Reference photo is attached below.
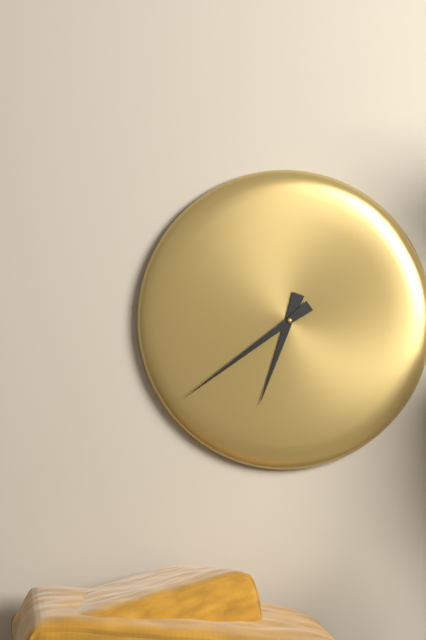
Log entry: {"hour": 6, "minute": 39}
